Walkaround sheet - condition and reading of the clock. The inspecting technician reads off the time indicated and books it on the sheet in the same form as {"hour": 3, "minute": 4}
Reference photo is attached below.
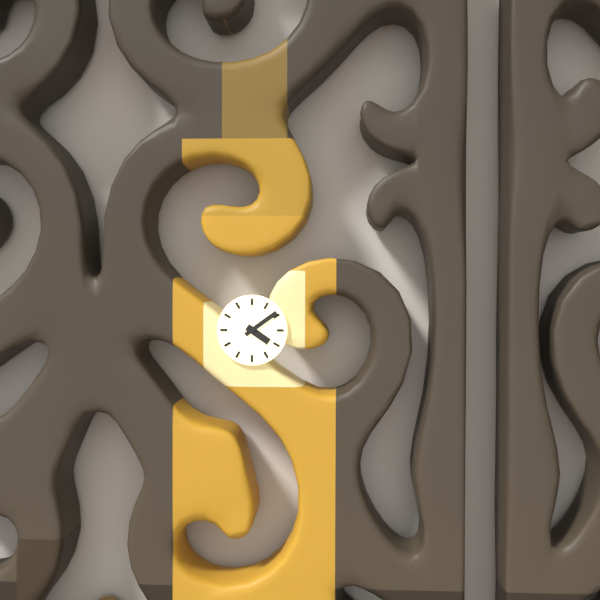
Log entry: {"hour": 4, "minute": 9}
